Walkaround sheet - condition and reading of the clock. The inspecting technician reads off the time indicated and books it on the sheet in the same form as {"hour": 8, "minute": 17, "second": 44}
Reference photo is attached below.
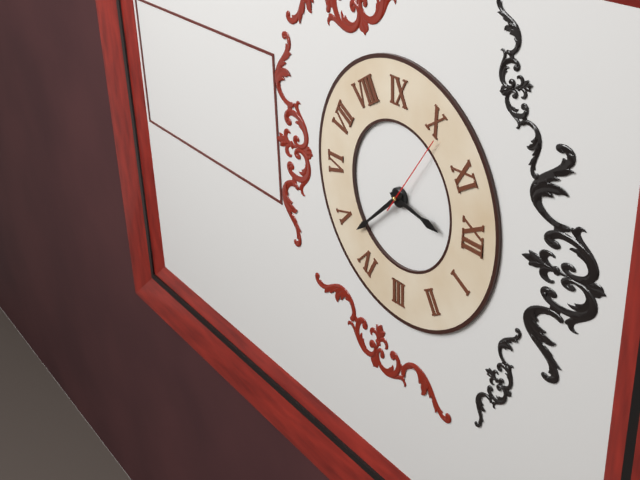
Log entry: {"hour": 12, "minute": 23, "second": 51}
